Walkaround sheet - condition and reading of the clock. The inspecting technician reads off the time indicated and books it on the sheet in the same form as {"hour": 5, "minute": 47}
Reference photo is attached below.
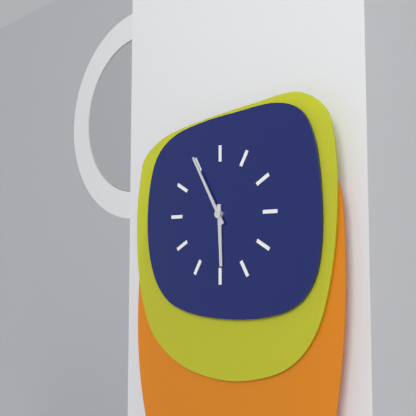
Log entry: {"hour": 5, "minute": 55}
